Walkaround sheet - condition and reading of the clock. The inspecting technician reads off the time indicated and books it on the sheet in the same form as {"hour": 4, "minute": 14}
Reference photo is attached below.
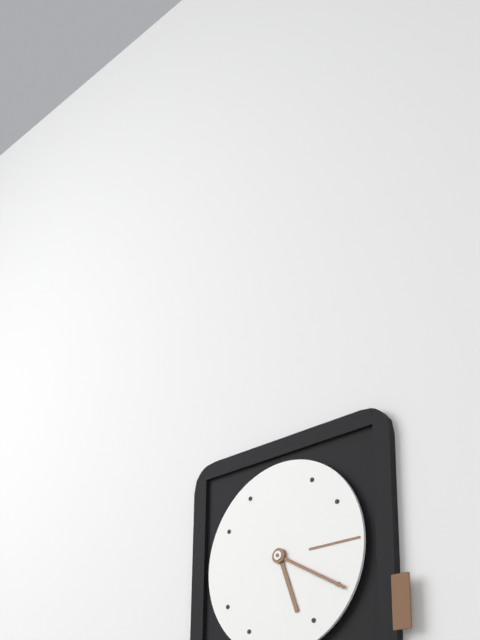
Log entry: {"hour": 5, "minute": 20}
